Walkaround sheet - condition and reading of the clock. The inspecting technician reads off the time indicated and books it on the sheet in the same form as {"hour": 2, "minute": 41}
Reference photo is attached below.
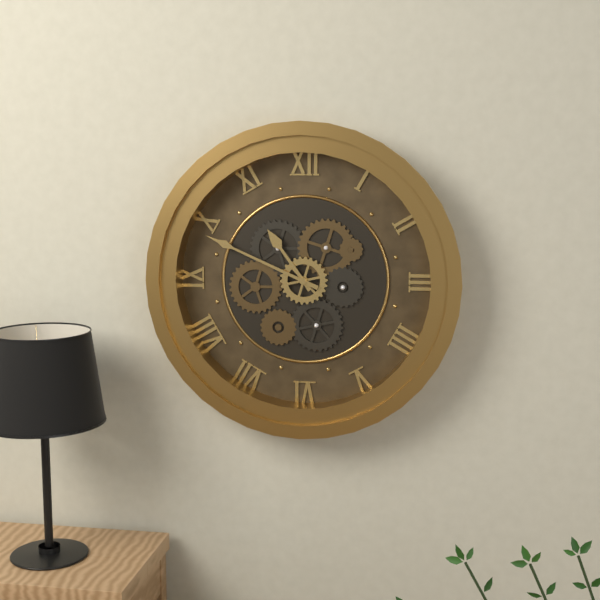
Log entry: {"hour": 10, "minute": 49}
